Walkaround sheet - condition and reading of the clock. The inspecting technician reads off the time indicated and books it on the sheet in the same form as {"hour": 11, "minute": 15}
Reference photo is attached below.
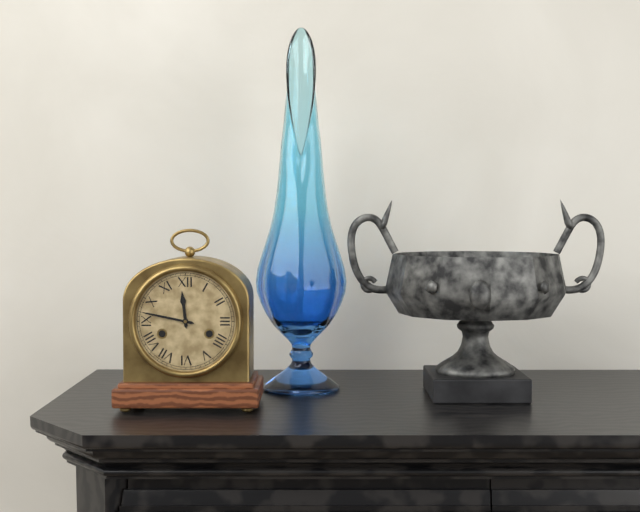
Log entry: {"hour": 11, "minute": 47}
